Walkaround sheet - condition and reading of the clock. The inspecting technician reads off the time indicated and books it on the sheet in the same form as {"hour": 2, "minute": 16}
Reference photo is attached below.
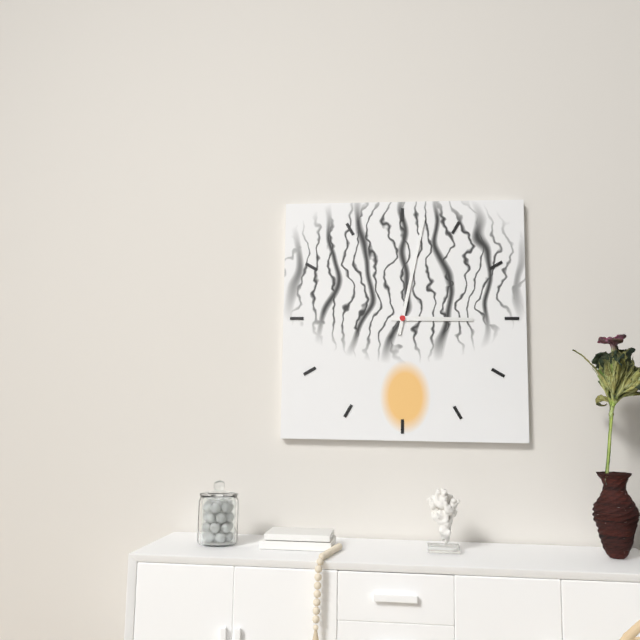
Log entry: {"hour": 3, "minute": 2}
